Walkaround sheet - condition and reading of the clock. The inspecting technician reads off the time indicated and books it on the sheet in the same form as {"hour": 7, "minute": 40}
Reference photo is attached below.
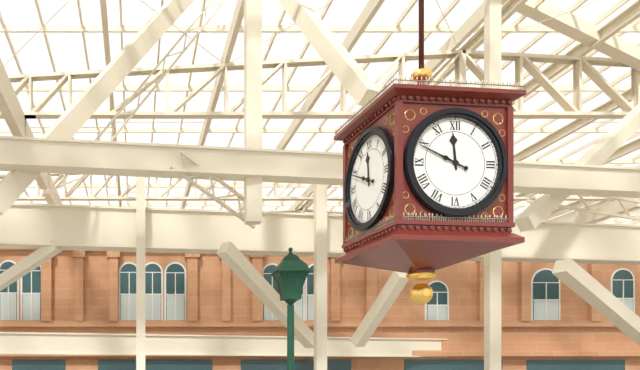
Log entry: {"hour": 11, "minute": 49}
